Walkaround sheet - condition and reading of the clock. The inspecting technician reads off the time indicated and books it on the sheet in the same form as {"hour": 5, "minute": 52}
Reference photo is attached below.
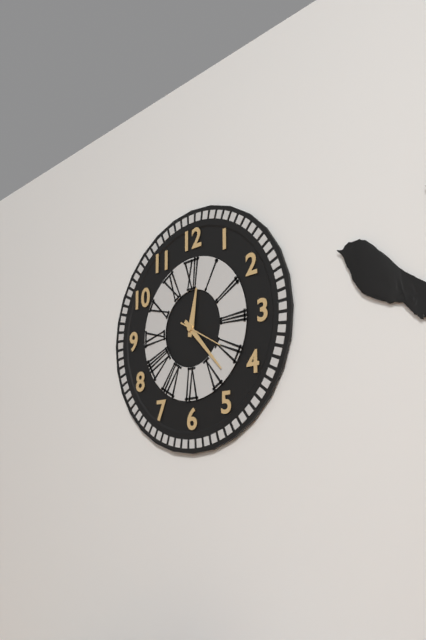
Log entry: {"hour": 12, "minute": 23}
